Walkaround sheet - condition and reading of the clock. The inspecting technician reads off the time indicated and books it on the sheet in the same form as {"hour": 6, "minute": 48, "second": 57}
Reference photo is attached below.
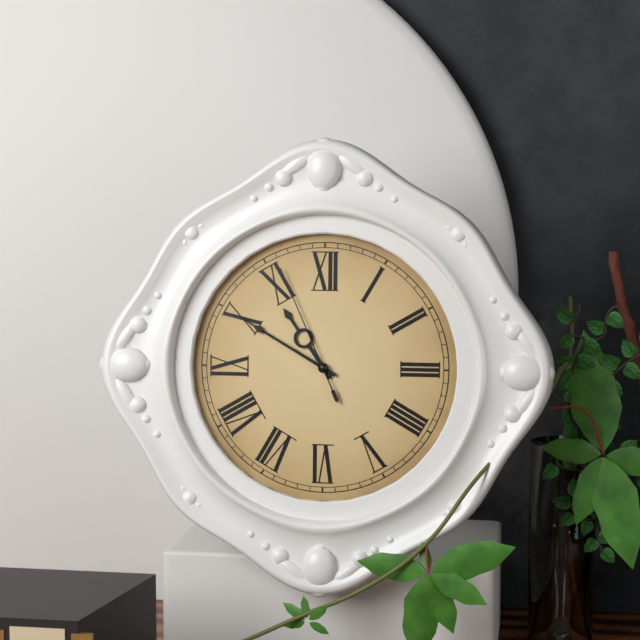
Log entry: {"hour": 10, "minute": 50, "second": 56}
